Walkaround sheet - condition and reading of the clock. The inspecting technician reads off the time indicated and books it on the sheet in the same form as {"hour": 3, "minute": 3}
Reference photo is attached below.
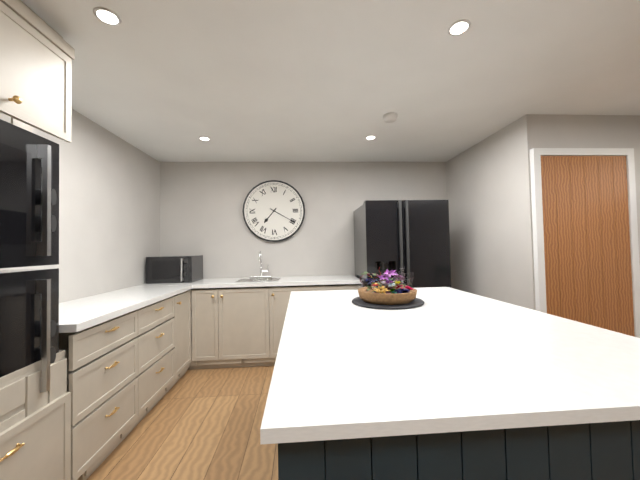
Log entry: {"hour": 7, "minute": 20}
